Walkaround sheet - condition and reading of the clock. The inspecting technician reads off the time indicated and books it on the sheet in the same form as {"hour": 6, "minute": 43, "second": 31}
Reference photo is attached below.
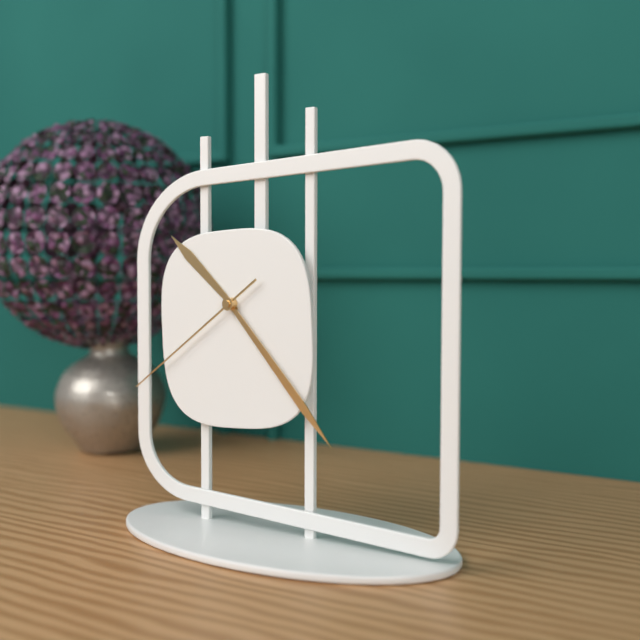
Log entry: {"hour": 10, "minute": 23, "second": 39}
